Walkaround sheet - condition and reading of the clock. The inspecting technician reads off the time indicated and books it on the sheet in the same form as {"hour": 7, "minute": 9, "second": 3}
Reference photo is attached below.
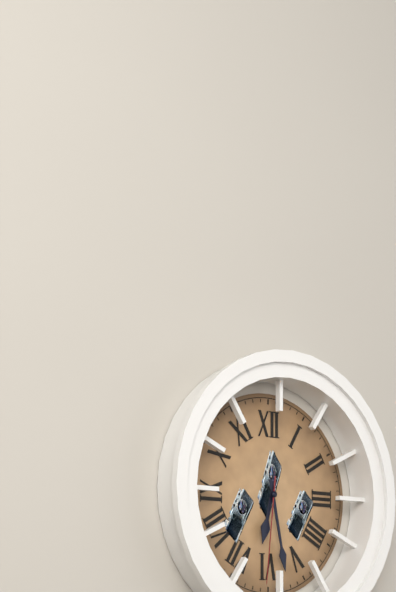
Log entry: {"hour": 6, "minute": 28, "second": 31}
